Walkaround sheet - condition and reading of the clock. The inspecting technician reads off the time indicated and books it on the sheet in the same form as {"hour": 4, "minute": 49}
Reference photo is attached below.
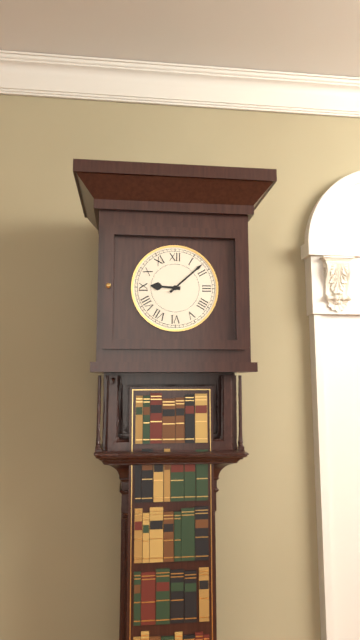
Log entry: {"hour": 9, "minute": 8}
